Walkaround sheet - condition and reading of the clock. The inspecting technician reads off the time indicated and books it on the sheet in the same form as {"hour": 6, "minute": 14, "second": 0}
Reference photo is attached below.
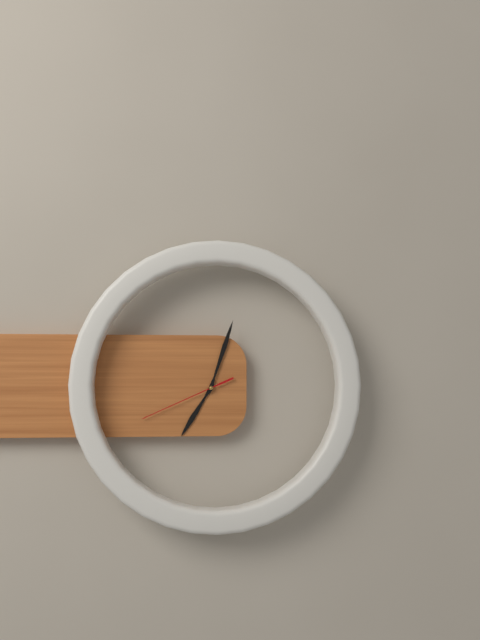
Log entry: {"hour": 7, "minute": 3, "second": 41}
